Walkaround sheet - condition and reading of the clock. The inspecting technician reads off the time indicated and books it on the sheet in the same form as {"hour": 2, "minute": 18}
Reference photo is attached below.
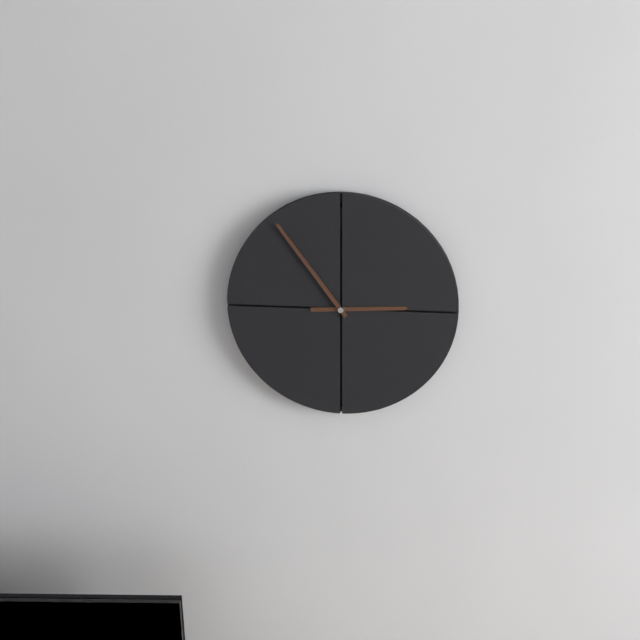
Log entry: {"hour": 2, "minute": 54}
